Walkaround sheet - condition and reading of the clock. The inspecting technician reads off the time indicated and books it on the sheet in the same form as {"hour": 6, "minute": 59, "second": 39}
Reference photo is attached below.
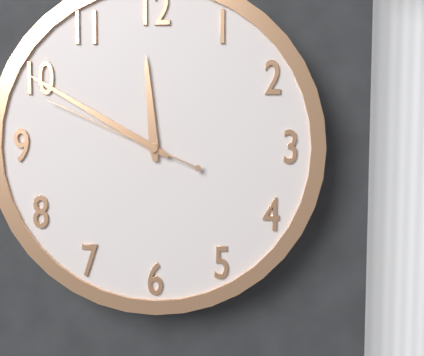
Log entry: {"hour": 11, "minute": 50, "second": 49}
